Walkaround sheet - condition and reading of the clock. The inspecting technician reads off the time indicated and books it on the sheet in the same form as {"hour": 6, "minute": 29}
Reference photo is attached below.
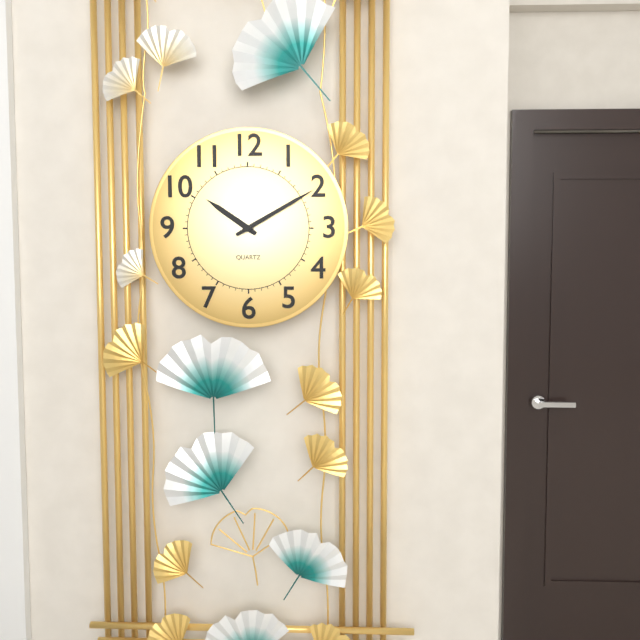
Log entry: {"hour": 10, "minute": 10}
